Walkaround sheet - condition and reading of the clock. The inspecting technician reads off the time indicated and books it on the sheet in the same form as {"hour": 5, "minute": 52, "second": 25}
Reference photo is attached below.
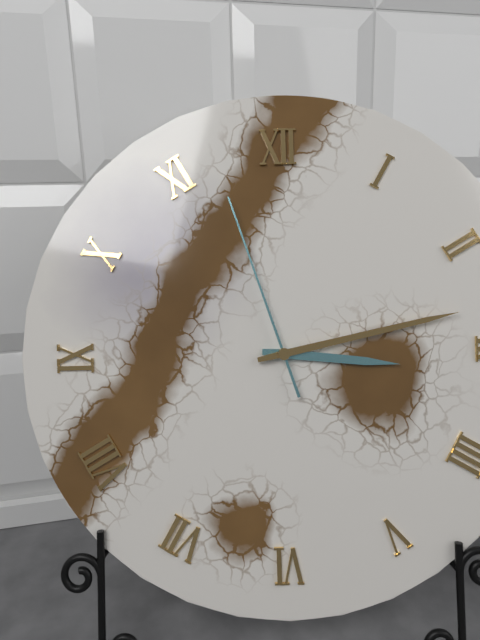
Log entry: {"hour": 3, "minute": 13, "second": 57}
